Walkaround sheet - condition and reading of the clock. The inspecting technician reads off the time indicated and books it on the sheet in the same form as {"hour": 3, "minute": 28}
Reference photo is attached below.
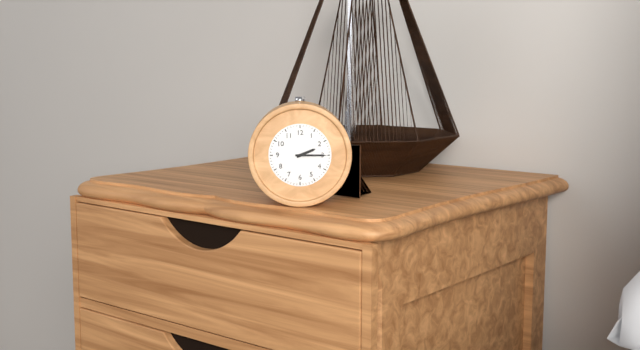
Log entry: {"hour": 2, "minute": 15}
